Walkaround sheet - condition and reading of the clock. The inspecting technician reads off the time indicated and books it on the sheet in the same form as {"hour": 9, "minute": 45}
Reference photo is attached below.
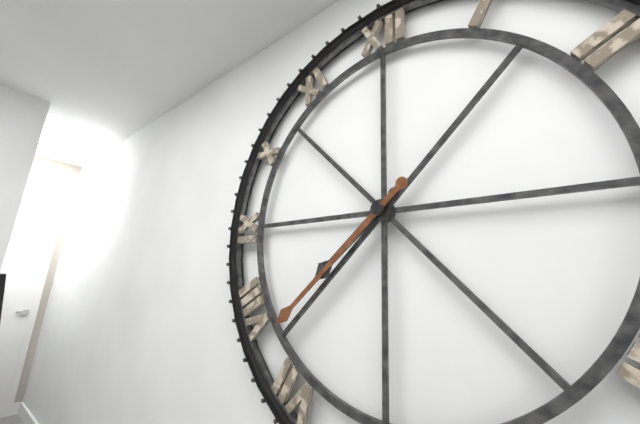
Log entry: {"hour": 7, "minute": 38}
